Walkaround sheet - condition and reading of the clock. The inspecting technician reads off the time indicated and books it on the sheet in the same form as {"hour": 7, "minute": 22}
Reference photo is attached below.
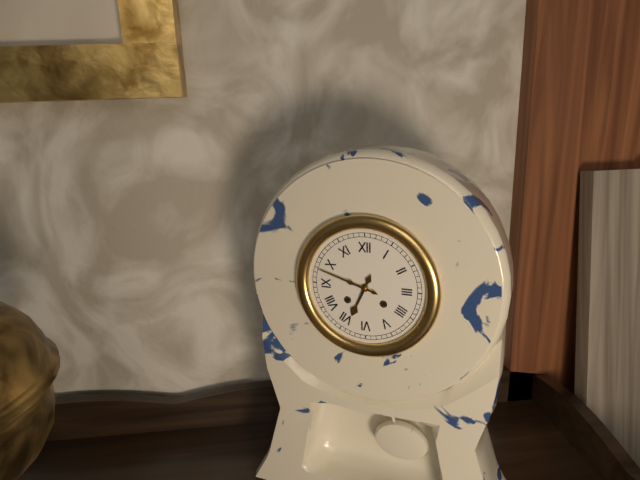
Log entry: {"hour": 6, "minute": 48}
